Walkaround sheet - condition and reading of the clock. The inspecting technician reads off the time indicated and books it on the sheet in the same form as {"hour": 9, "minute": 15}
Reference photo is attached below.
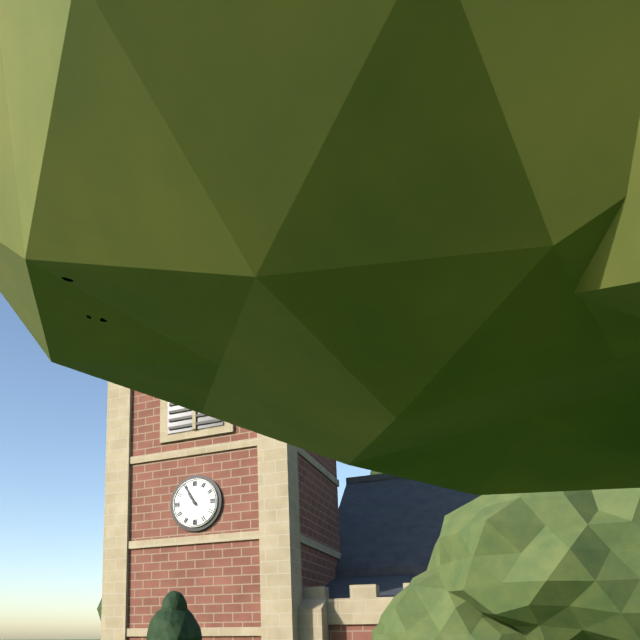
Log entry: {"hour": 10, "minute": 55}
